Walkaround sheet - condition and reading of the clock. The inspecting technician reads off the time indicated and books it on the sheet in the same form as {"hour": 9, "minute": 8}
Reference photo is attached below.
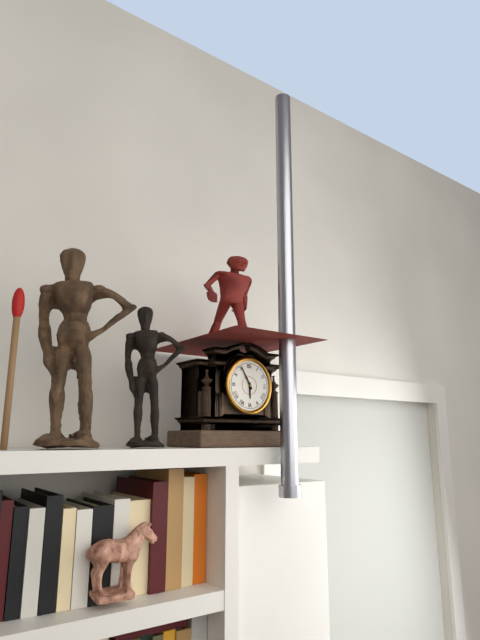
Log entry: {"hour": 5, "minute": 55}
